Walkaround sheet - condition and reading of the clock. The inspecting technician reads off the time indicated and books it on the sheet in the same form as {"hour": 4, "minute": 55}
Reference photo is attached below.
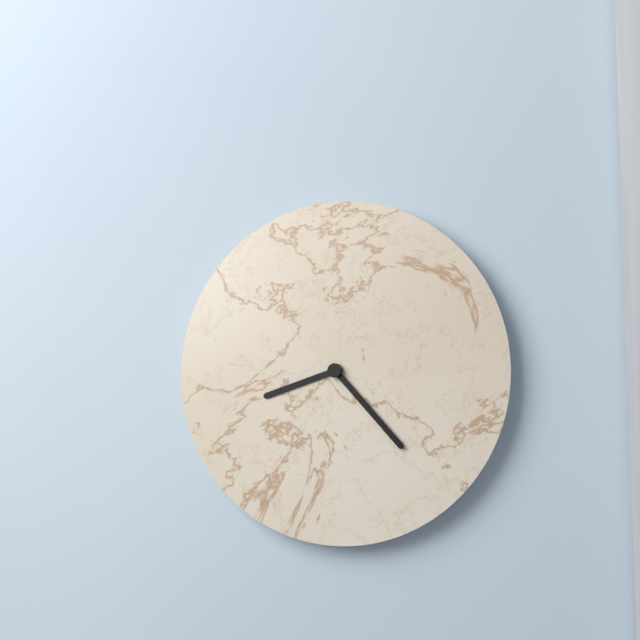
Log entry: {"hour": 8, "minute": 23}
